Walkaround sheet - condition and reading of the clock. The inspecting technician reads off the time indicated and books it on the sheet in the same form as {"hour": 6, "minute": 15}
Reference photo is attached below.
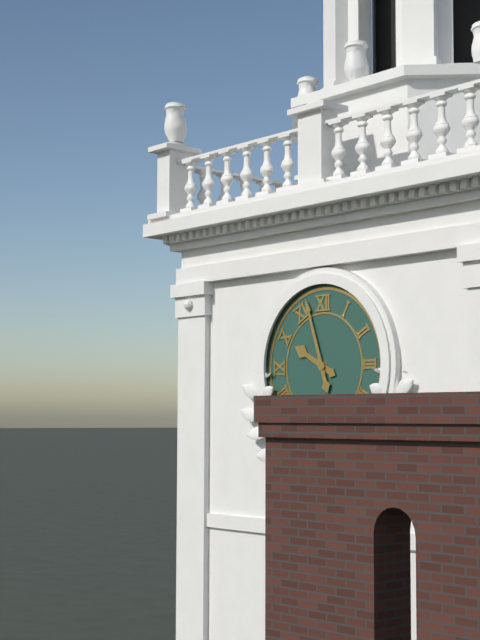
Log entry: {"hour": 9, "minute": 57}
